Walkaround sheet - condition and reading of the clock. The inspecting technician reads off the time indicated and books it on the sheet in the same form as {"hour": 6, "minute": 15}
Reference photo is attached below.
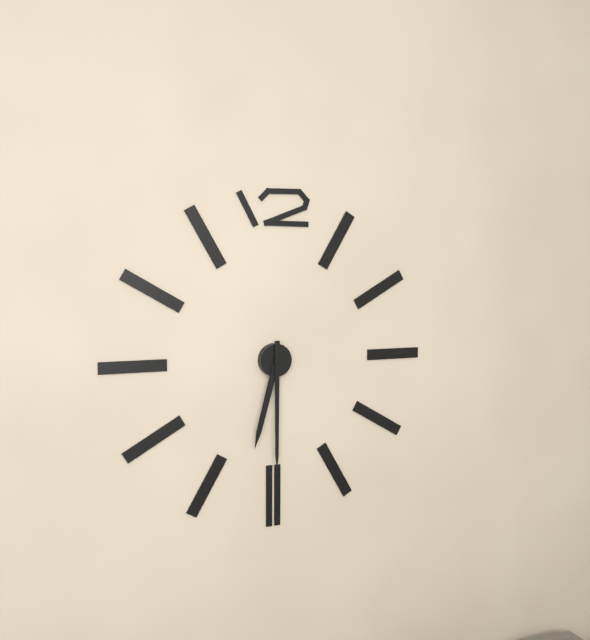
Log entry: {"hour": 6, "minute": 30}
